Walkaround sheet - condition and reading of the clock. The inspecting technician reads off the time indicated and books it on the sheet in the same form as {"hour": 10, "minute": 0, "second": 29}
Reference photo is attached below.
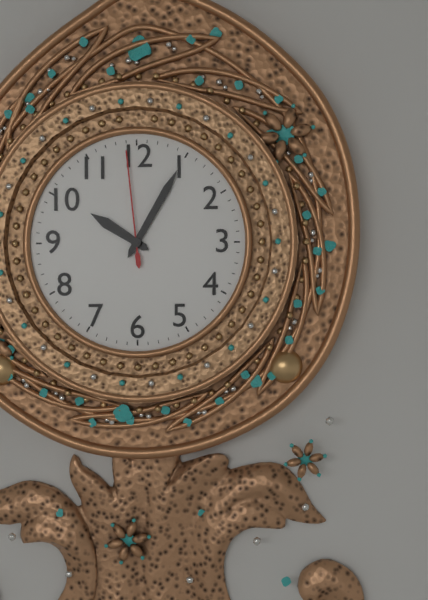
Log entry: {"hour": 10, "minute": 5, "second": 59}
